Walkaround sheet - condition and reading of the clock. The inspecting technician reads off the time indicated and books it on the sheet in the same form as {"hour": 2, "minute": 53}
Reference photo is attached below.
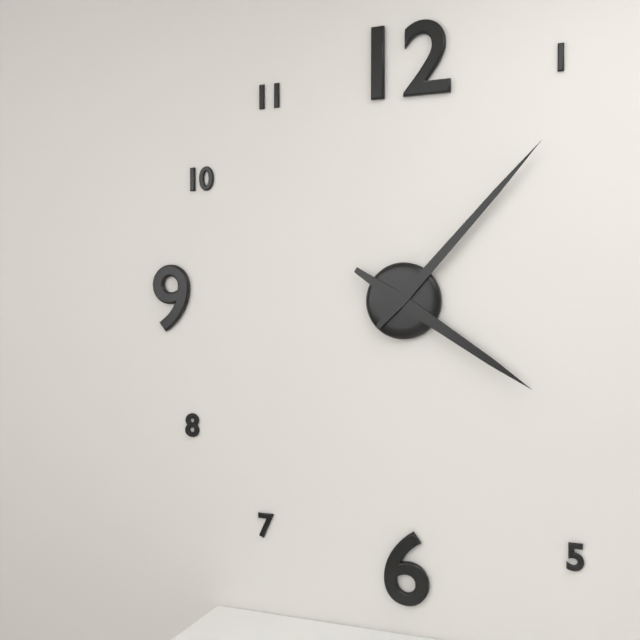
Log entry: {"hour": 4, "minute": 7}
